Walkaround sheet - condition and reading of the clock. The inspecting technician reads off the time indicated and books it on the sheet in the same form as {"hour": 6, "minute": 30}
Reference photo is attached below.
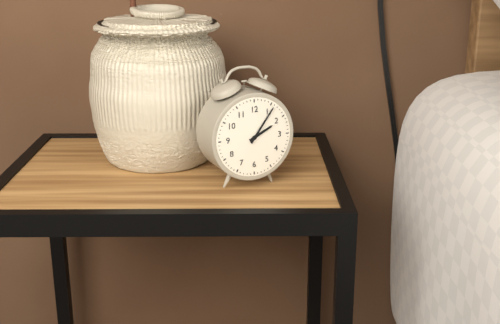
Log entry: {"hour": 2, "minute": 6}
